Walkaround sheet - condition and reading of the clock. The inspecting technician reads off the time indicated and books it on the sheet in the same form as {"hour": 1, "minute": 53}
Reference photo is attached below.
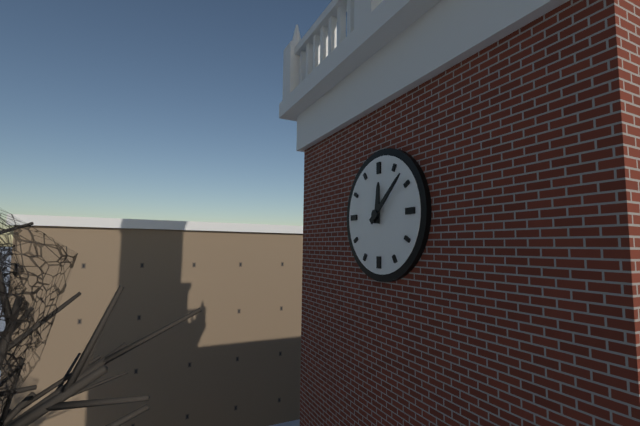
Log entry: {"hour": 12, "minute": 8}
